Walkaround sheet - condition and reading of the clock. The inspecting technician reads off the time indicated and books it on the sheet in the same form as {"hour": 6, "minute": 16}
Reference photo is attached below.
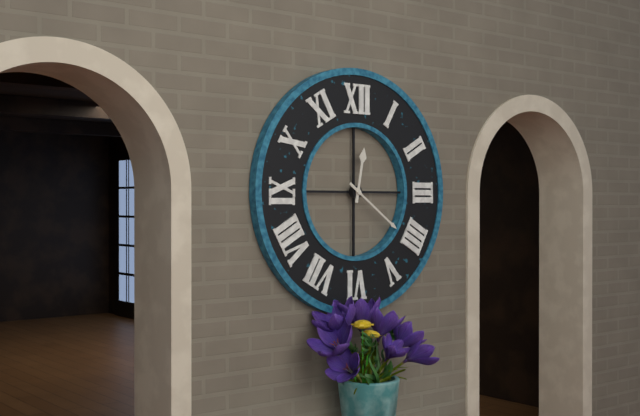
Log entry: {"hour": 12, "minute": 21}
